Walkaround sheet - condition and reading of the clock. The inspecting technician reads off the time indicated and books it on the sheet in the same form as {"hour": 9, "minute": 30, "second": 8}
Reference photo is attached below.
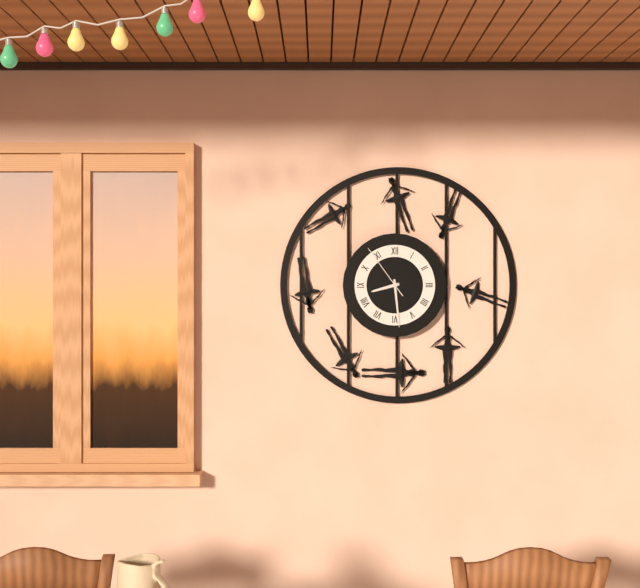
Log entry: {"hour": 8, "minute": 29, "second": 54}
